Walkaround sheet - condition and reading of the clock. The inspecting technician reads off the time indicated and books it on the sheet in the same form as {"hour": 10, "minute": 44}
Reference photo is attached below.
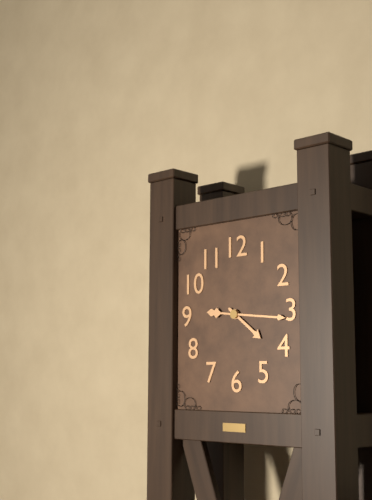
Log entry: {"hour": 4, "minute": 16}
